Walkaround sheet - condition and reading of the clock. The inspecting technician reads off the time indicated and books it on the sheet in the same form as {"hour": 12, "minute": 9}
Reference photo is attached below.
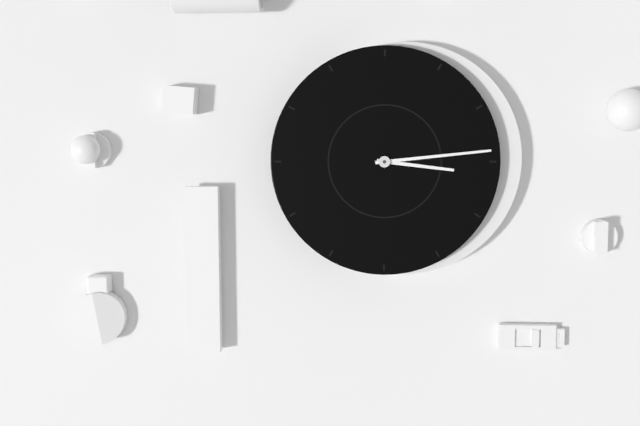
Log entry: {"hour": 3, "minute": 14}
